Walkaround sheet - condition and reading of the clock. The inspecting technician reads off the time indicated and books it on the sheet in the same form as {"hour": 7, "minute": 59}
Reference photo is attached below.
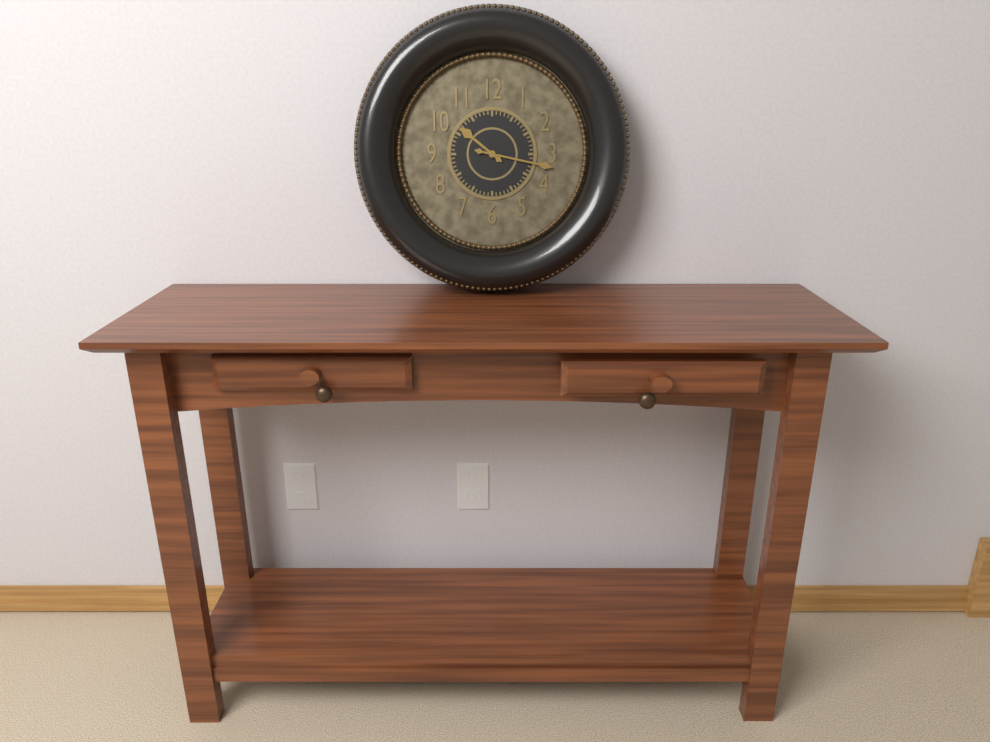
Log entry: {"hour": 10, "minute": 17}
